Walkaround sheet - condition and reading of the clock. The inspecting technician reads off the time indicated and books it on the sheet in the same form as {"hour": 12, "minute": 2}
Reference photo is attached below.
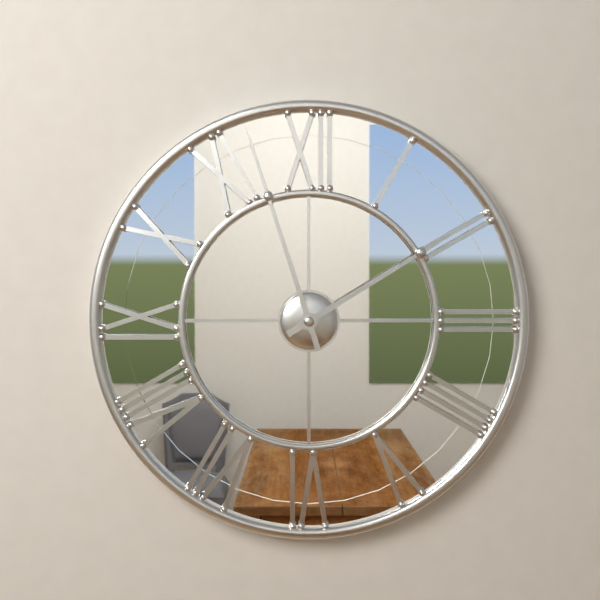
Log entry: {"hour": 1, "minute": 57}
